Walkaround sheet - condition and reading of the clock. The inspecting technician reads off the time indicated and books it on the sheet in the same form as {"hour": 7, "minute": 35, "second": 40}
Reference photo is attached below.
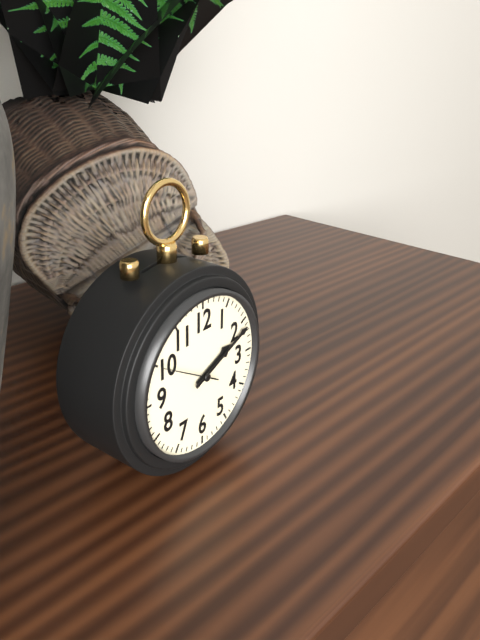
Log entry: {"hour": 2, "minute": 11, "second": 50}
